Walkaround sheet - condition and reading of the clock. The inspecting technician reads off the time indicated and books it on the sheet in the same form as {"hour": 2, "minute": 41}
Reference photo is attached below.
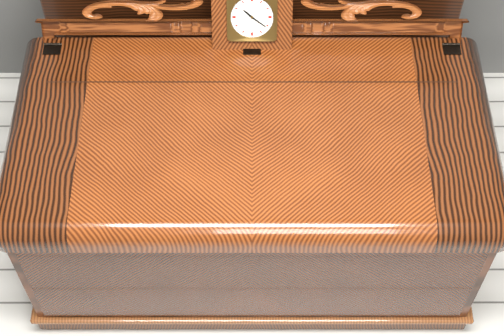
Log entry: {"hour": 10, "minute": 21}
